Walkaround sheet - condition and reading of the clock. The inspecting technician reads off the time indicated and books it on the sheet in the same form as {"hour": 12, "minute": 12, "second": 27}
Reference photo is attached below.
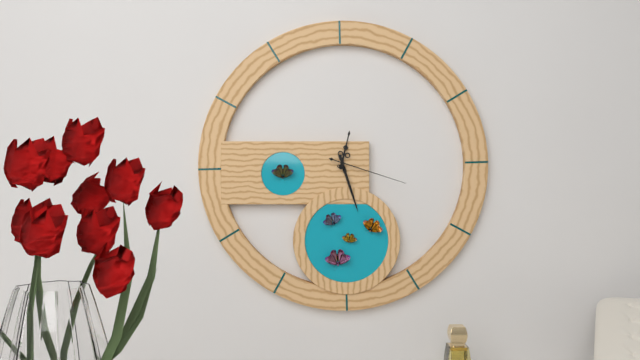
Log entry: {"hour": 12, "minute": 27, "second": 18}
